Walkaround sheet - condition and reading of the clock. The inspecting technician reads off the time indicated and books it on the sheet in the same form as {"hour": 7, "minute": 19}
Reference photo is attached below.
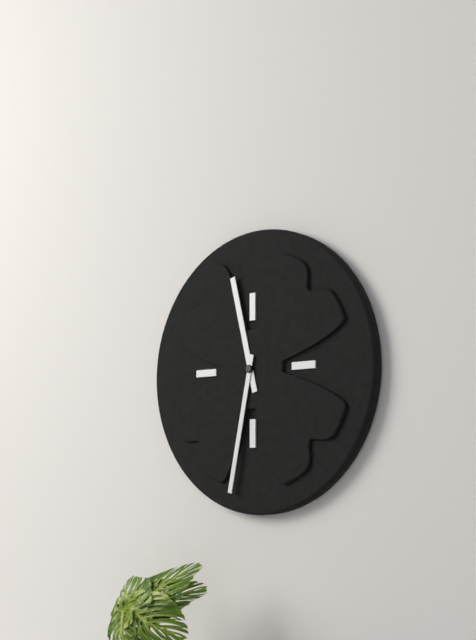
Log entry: {"hour": 11, "minute": 32}
